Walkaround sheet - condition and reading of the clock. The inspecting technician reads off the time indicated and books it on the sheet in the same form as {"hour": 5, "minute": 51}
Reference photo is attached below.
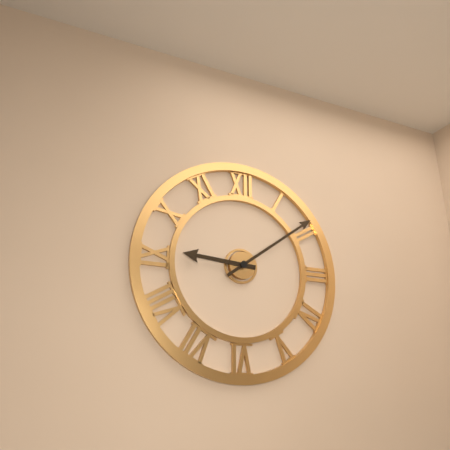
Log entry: {"hour": 9, "minute": 9}
